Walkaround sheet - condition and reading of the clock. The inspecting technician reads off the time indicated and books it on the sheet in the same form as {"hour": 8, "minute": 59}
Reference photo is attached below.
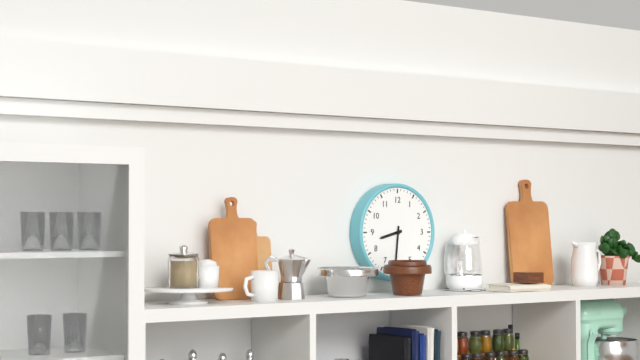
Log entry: {"hour": 8, "minute": 31}
